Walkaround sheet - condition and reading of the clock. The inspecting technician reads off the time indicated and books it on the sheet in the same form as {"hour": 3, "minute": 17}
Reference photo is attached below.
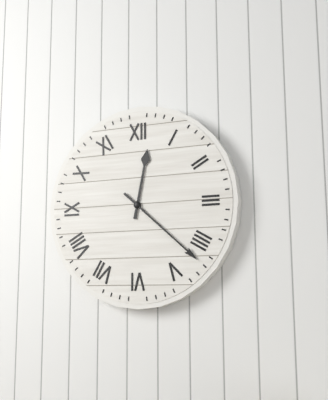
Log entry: {"hour": 12, "minute": 22}
